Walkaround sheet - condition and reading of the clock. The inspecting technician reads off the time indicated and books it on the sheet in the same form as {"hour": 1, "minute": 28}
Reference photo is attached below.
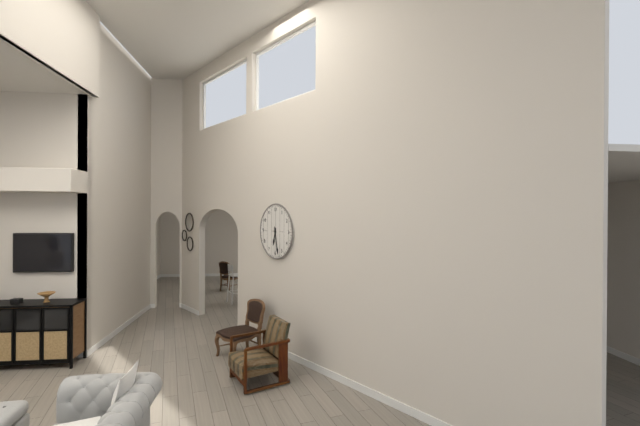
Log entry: {"hour": 6, "minute": 28}
